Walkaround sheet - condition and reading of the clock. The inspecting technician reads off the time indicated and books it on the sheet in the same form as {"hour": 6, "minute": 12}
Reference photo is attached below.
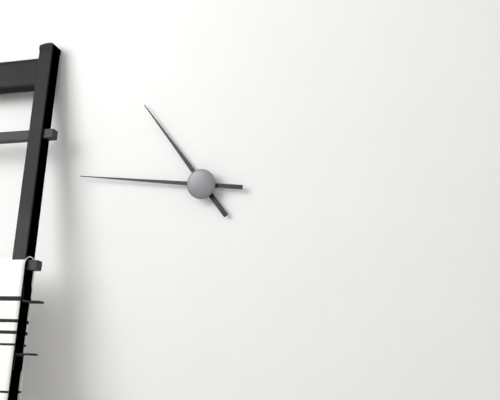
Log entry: {"hour": 10, "minute": 46}
